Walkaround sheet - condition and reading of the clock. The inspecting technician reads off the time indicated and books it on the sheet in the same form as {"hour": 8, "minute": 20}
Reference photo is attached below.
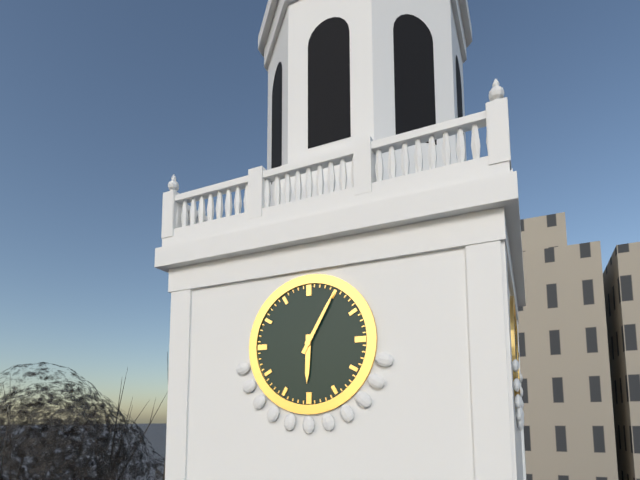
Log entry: {"hour": 6, "minute": 5}
